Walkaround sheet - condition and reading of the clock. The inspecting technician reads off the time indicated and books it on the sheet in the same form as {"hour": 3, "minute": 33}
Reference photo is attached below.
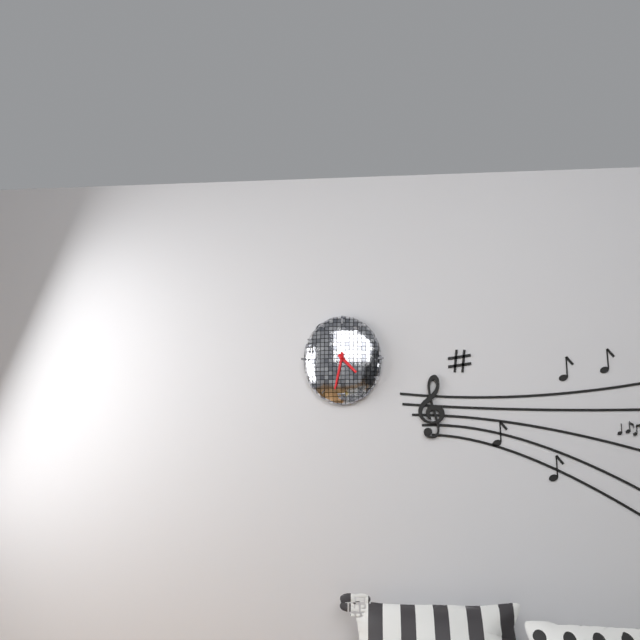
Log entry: {"hour": 4, "minute": 32}
